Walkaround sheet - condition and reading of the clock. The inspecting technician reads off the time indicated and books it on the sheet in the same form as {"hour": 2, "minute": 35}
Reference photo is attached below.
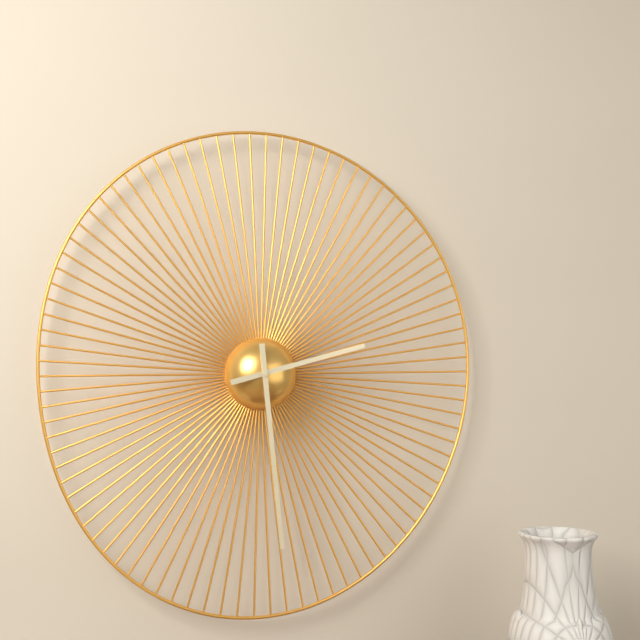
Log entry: {"hour": 2, "minute": 29}
